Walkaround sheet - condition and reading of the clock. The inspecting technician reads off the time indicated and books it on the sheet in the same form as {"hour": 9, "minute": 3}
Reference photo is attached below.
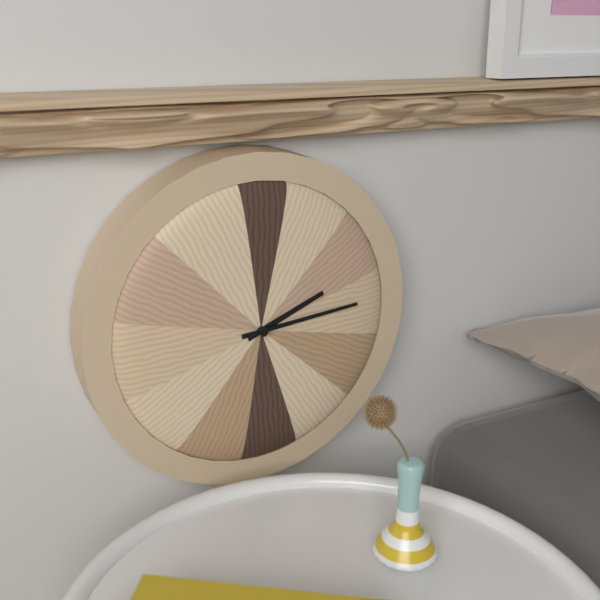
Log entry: {"hour": 2, "minute": 14}
